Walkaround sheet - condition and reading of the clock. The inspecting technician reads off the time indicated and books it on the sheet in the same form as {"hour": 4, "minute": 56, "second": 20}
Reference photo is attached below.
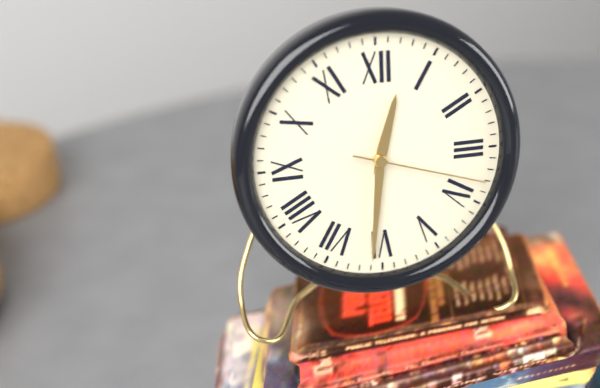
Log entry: {"hour": 12, "minute": 31, "second": 18}
